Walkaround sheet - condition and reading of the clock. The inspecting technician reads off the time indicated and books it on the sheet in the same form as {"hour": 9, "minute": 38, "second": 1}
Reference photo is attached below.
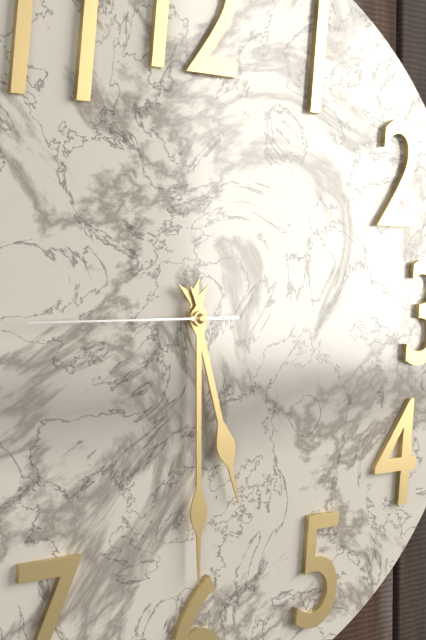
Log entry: {"hour": 5, "minute": 30, "second": 45}
